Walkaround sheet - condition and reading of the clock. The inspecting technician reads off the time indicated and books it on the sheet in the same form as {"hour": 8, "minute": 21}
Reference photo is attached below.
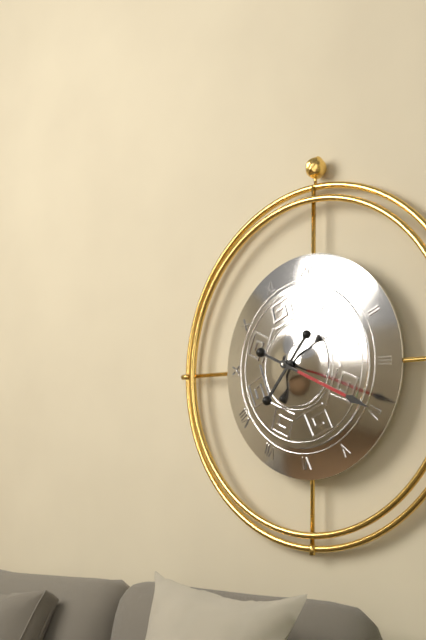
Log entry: {"hour": 7, "minute": 19}
